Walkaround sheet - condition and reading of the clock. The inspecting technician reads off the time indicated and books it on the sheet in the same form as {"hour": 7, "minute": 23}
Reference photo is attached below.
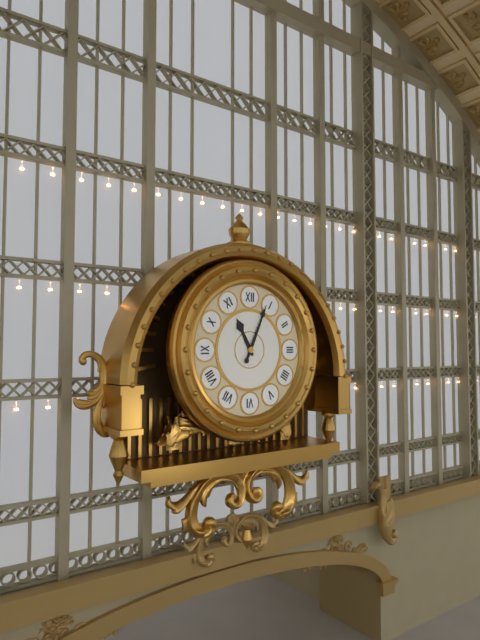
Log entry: {"hour": 11, "minute": 4}
